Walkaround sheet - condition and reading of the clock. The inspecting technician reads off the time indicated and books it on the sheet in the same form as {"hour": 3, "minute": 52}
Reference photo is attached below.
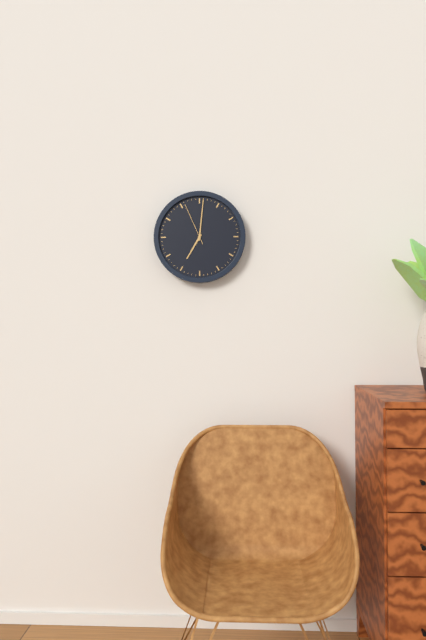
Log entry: {"hour": 7, "minute": 1}
